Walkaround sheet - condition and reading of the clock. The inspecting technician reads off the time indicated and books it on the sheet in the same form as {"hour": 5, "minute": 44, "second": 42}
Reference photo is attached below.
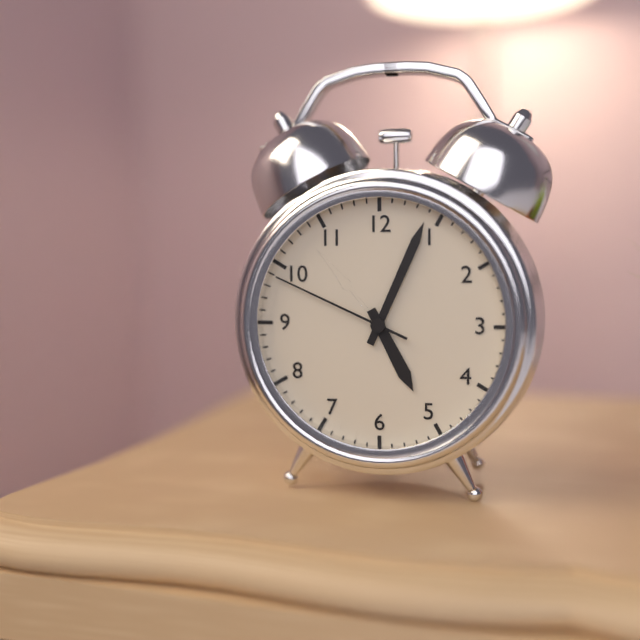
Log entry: {"hour": 5, "minute": 4, "second": 49}
